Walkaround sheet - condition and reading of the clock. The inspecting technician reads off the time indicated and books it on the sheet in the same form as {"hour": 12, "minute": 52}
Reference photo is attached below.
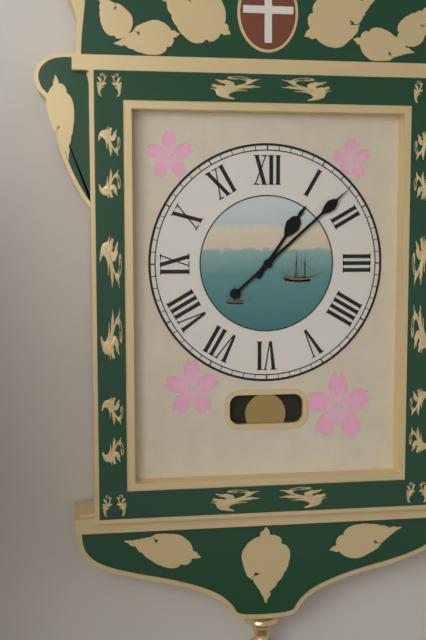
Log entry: {"hour": 1, "minute": 8}
